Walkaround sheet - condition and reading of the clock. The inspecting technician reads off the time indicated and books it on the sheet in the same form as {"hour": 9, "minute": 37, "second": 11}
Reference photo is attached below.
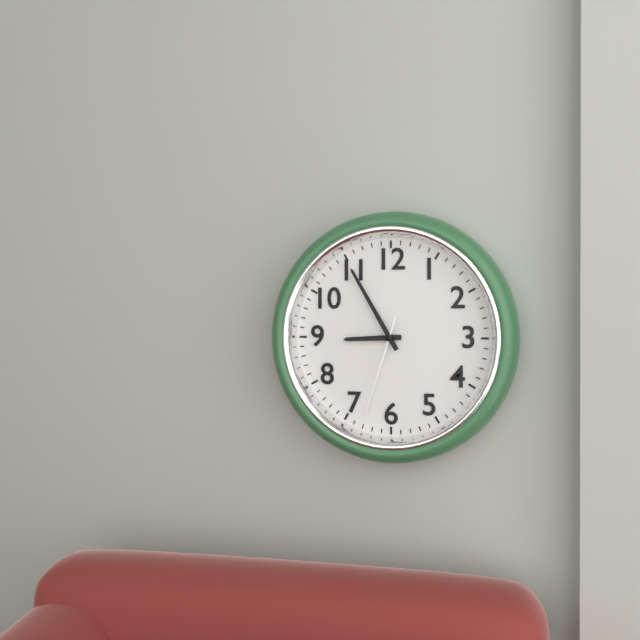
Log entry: {"hour": 8, "minute": 55, "second": 33}
